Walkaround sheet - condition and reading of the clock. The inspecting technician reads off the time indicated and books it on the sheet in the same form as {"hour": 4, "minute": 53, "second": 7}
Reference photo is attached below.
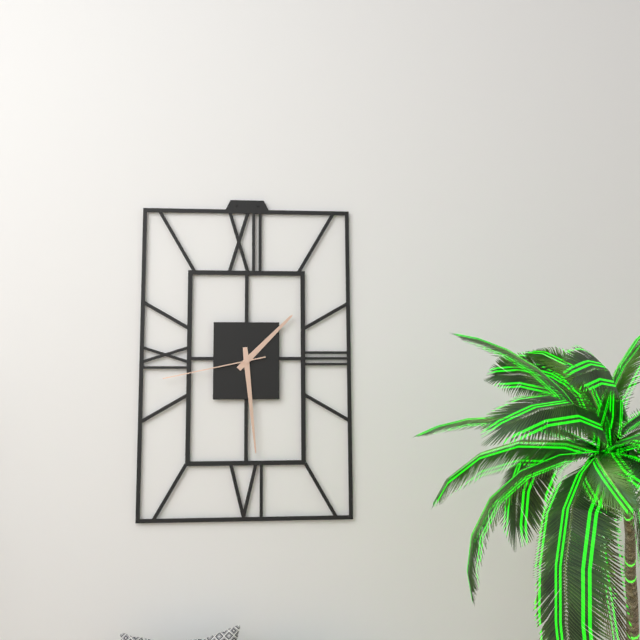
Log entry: {"hour": 1, "minute": 29, "second": 43}
